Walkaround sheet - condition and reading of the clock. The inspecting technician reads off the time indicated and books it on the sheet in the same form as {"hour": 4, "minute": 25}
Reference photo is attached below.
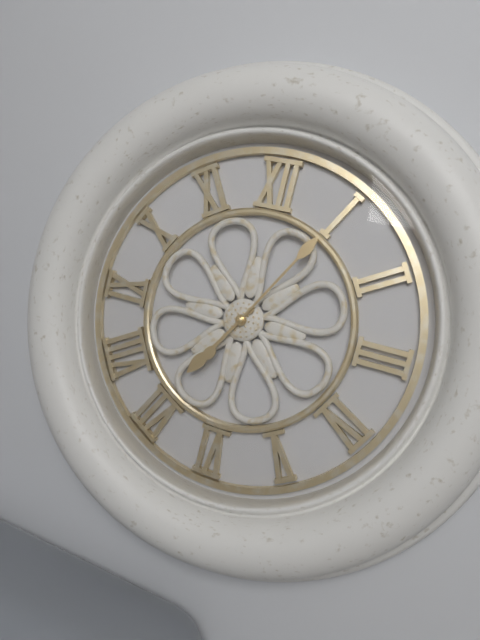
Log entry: {"hour": 7, "minute": 5}
